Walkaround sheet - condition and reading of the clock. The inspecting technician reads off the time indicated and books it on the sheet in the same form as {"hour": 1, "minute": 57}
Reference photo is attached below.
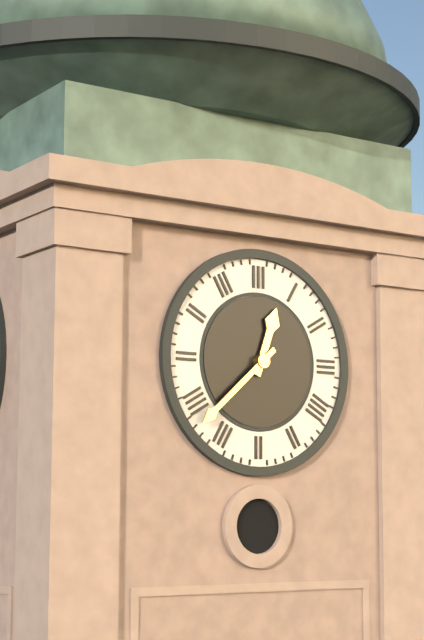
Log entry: {"hour": 12, "minute": 38}
